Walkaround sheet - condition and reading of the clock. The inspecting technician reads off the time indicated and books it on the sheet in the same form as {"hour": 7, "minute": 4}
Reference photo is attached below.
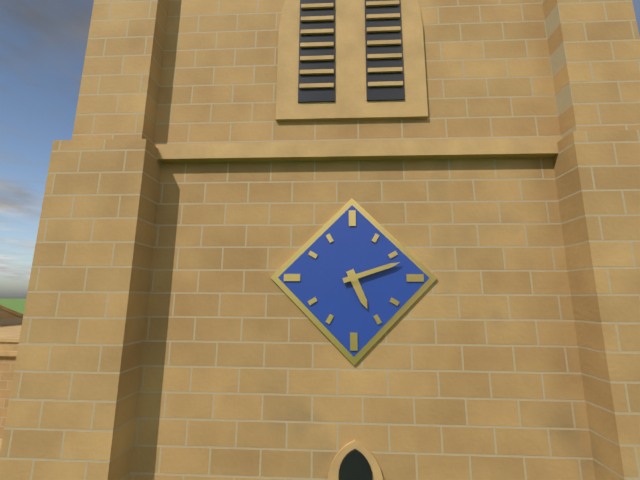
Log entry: {"hour": 5, "minute": 12}
